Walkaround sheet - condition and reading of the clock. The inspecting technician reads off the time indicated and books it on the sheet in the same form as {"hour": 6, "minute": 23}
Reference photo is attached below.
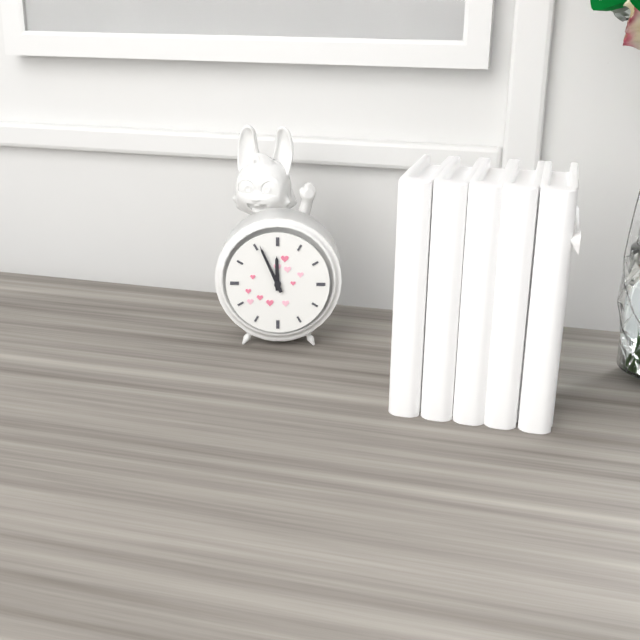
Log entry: {"hour": 11, "minute": 56}
